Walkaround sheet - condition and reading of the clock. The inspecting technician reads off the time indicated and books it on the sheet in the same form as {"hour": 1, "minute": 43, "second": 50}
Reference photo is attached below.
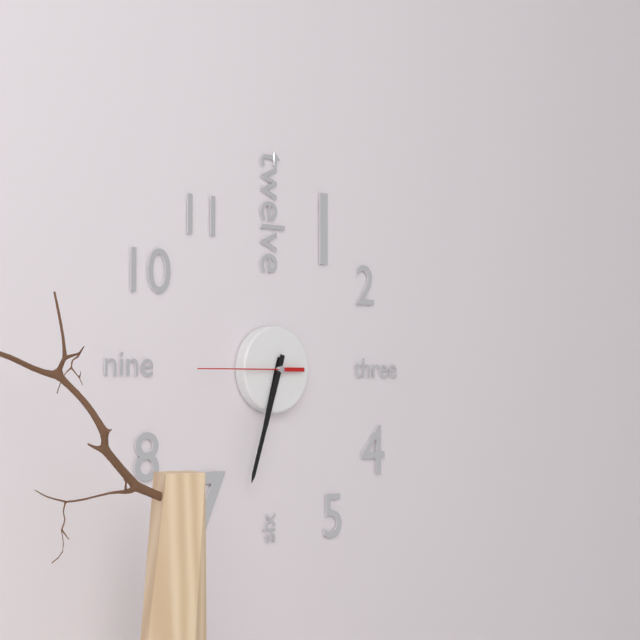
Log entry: {"hour": 6, "minute": 33, "second": 45}
